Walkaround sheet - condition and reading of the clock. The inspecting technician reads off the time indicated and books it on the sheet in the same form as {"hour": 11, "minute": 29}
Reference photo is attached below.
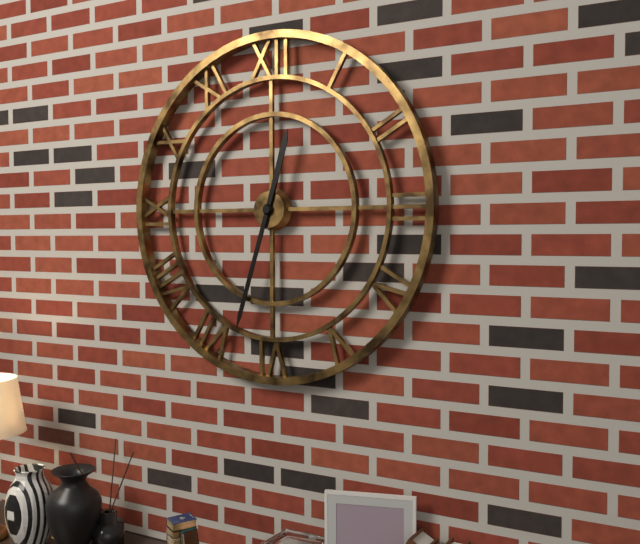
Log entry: {"hour": 12, "minute": 33}
